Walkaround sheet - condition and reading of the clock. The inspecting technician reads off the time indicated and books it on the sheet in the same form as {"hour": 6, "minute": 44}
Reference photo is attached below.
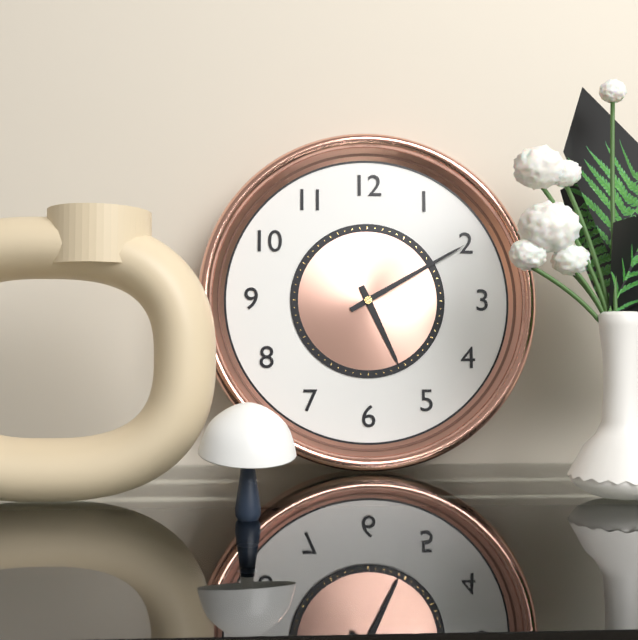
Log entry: {"hour": 5, "minute": 10}
